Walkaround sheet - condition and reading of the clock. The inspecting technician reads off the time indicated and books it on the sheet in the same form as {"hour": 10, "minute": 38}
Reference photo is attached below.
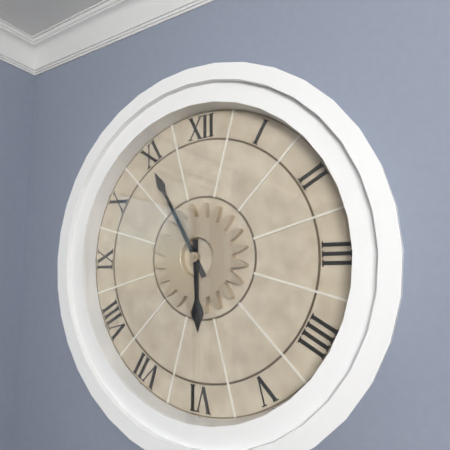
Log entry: {"hour": 5, "minute": 55}
